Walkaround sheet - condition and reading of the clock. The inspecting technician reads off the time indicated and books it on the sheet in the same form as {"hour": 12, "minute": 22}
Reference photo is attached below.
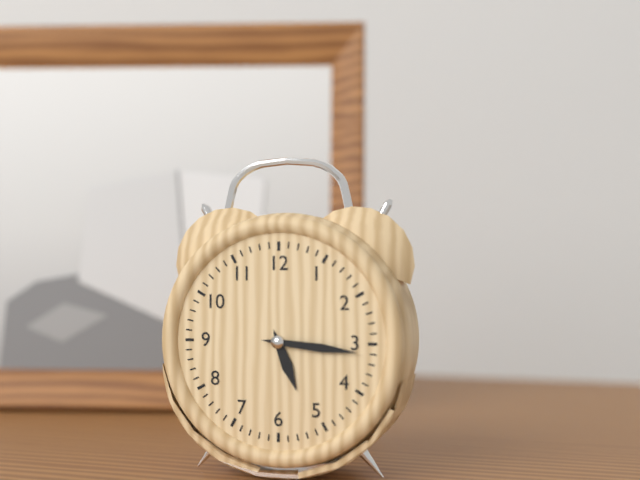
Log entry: {"hour": 5, "minute": 16}
